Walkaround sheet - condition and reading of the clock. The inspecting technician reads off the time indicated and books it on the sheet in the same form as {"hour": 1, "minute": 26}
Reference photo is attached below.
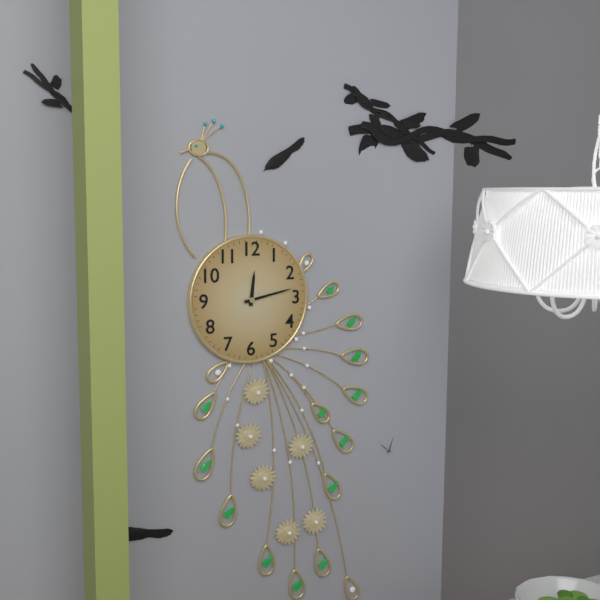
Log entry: {"hour": 12, "minute": 13}
